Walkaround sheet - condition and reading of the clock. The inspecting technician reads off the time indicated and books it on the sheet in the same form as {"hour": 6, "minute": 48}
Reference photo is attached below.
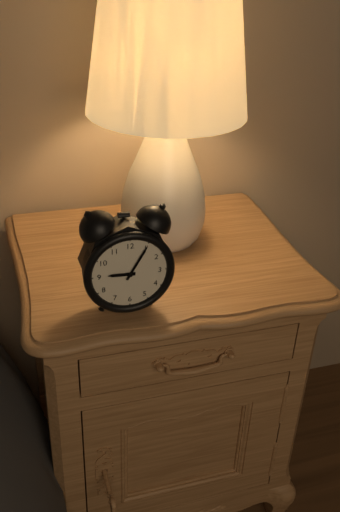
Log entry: {"hour": 9, "minute": 5}
